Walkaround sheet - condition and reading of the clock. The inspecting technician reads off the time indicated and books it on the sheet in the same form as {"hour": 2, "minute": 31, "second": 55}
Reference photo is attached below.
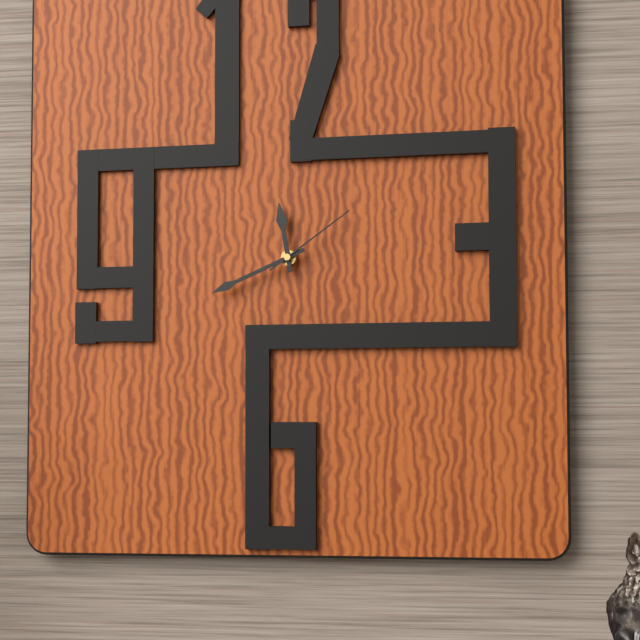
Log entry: {"hour": 11, "minute": 41, "second": 9}
